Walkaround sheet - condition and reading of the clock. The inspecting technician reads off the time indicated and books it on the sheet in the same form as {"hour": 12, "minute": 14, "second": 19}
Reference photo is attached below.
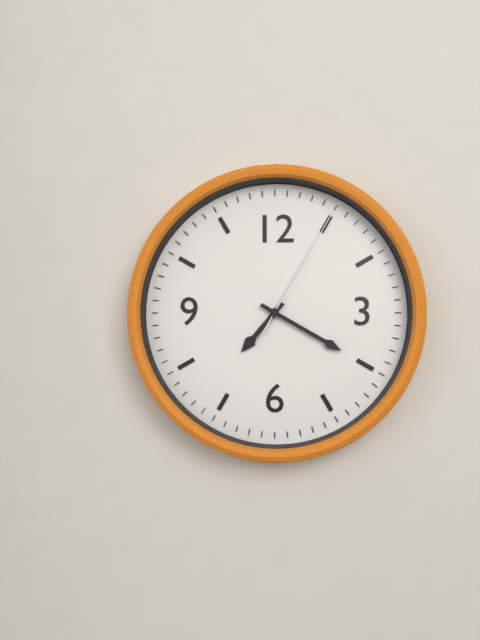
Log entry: {"hour": 7, "minute": 20, "second": 5}
